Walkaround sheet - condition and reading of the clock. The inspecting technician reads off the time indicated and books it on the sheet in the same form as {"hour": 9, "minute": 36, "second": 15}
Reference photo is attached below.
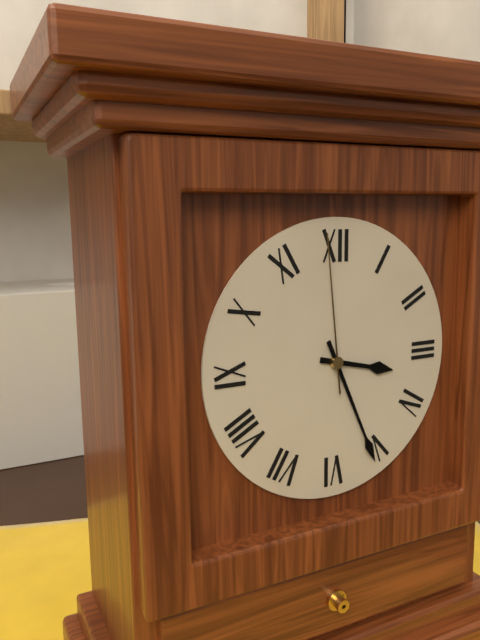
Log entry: {"hour": 3, "minute": 26, "second": 59}
